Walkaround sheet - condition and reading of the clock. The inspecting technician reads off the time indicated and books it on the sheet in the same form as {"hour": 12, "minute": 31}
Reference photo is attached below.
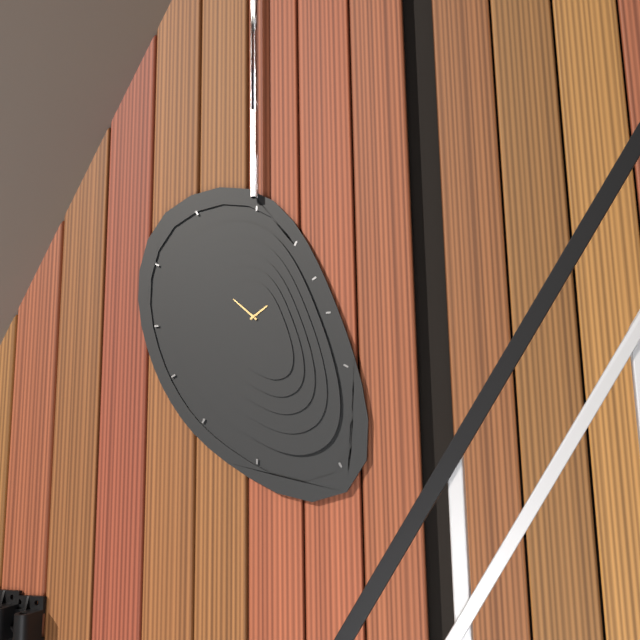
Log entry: {"hour": 1, "minute": 52}
